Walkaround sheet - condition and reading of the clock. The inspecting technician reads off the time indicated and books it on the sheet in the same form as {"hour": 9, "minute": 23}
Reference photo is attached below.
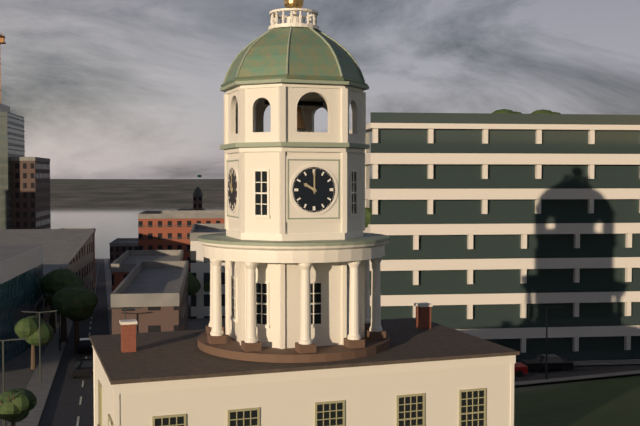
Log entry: {"hour": 10, "minute": 0}
